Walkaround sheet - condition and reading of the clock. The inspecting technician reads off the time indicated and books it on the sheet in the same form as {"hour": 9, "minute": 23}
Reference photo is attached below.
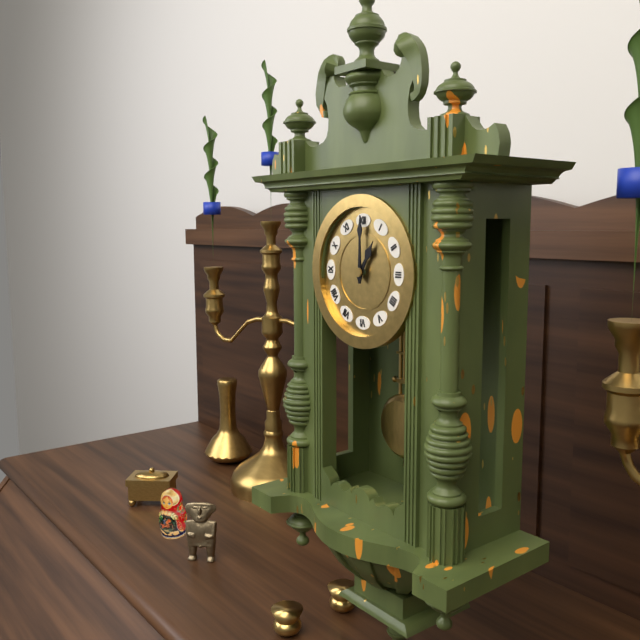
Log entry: {"hour": 1, "minute": 0}
